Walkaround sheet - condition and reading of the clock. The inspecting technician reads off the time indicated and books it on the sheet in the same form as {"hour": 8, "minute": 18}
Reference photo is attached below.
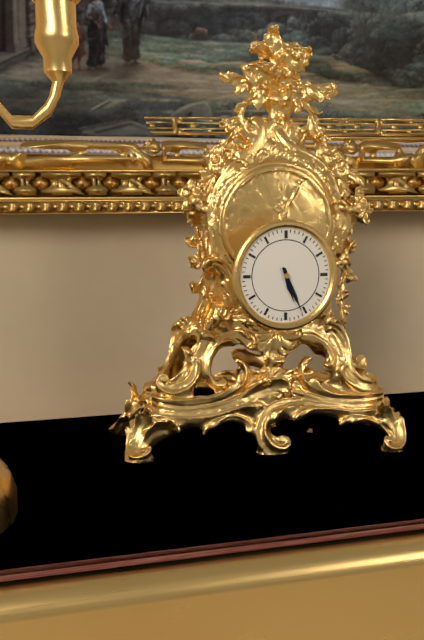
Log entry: {"hour": 5, "minute": 26}
